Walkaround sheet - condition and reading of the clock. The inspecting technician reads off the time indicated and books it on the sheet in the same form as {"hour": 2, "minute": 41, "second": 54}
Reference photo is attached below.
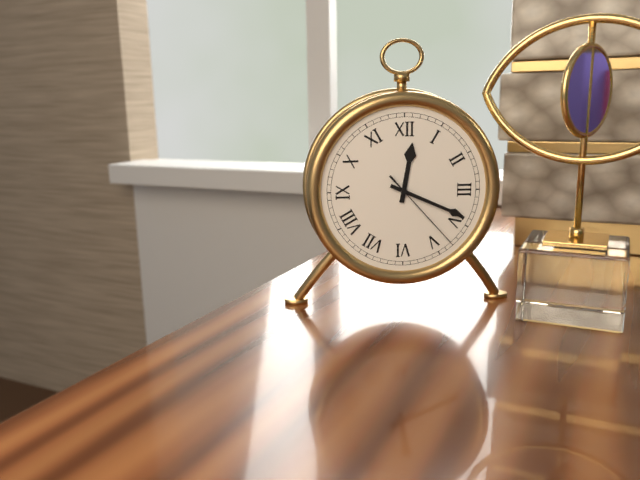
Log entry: {"hour": 12, "minute": 19, "second": 23}
